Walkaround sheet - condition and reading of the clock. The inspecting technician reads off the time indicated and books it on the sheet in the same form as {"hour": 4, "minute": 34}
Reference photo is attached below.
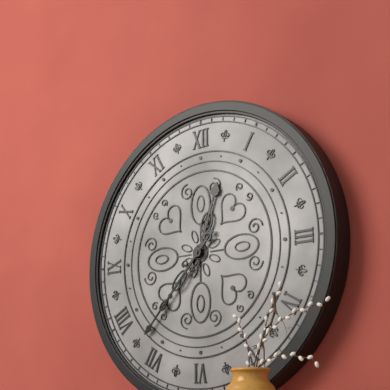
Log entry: {"hour": 12, "minute": 37}
